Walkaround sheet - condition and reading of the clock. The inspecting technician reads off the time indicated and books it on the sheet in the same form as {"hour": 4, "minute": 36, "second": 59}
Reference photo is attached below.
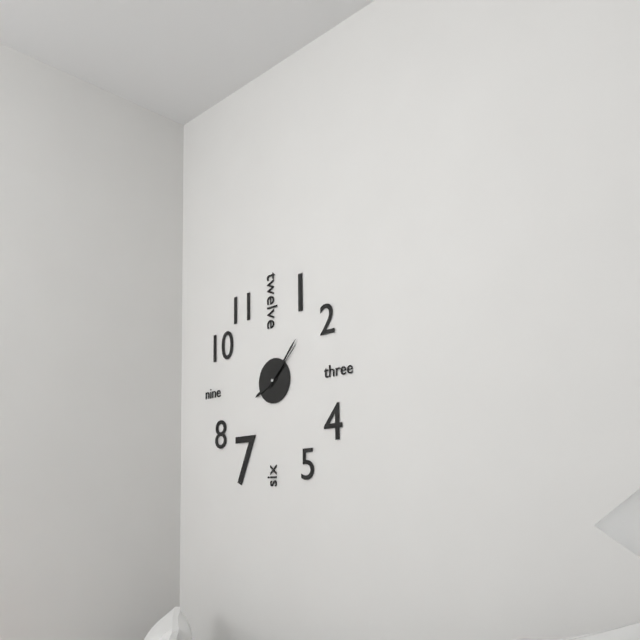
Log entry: {"hour": 8, "minute": 7, "second": 8}
